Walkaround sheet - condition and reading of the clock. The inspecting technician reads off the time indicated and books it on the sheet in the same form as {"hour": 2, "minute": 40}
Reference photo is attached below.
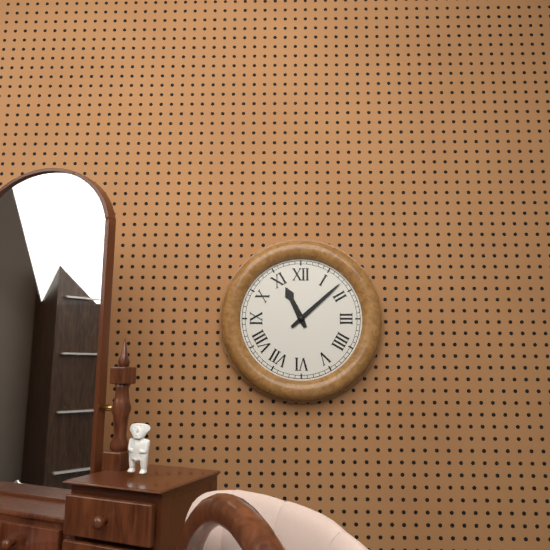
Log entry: {"hour": 11, "minute": 8}
